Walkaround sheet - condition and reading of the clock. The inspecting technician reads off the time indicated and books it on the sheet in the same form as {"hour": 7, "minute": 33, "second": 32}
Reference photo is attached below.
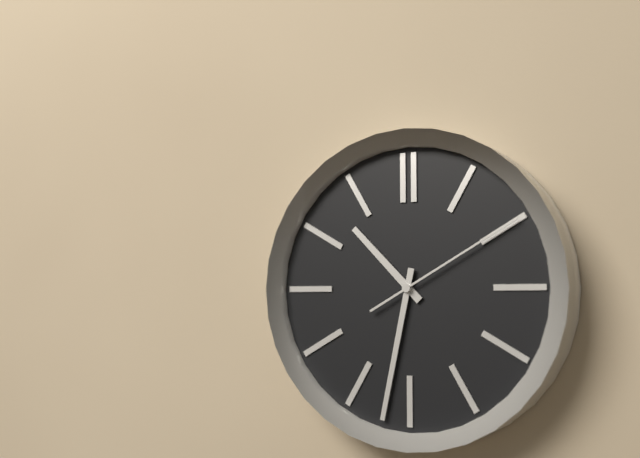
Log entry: {"hour": 10, "minute": 32, "second": 10}
